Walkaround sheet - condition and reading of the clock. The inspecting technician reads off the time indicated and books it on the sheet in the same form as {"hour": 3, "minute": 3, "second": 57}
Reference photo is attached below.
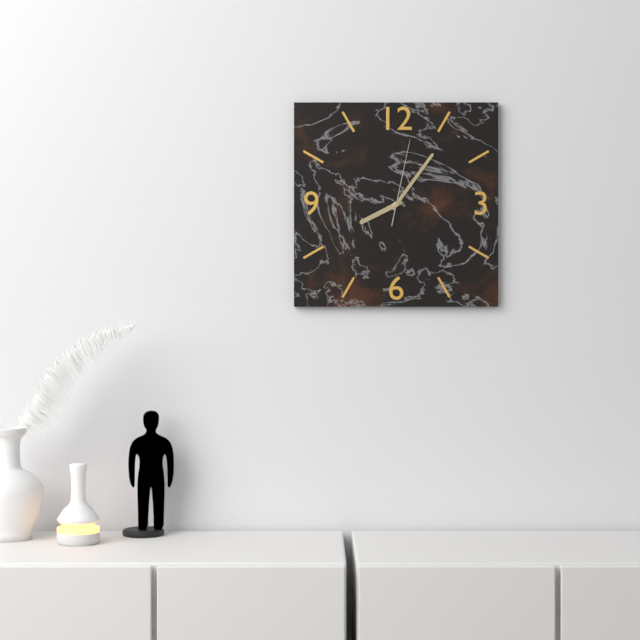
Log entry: {"hour": 8, "minute": 6, "second": 2}
